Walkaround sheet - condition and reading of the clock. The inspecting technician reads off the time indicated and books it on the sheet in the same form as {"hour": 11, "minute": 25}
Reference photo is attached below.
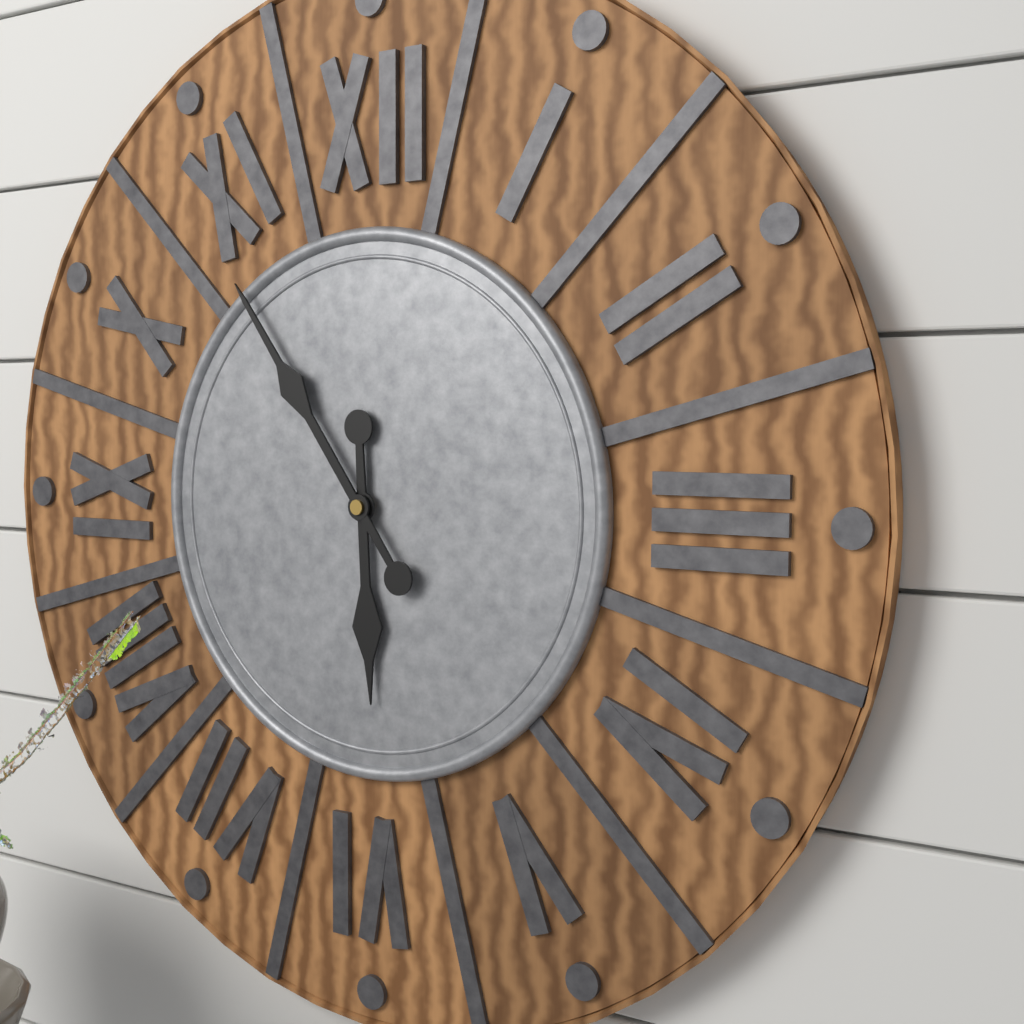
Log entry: {"hour": 5, "minute": 54}
